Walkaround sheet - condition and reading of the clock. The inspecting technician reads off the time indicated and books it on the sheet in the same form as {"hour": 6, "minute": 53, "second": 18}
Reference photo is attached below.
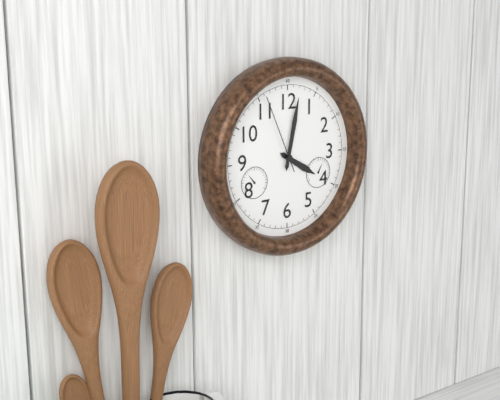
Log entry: {"hour": 4, "minute": 2, "second": 56}
